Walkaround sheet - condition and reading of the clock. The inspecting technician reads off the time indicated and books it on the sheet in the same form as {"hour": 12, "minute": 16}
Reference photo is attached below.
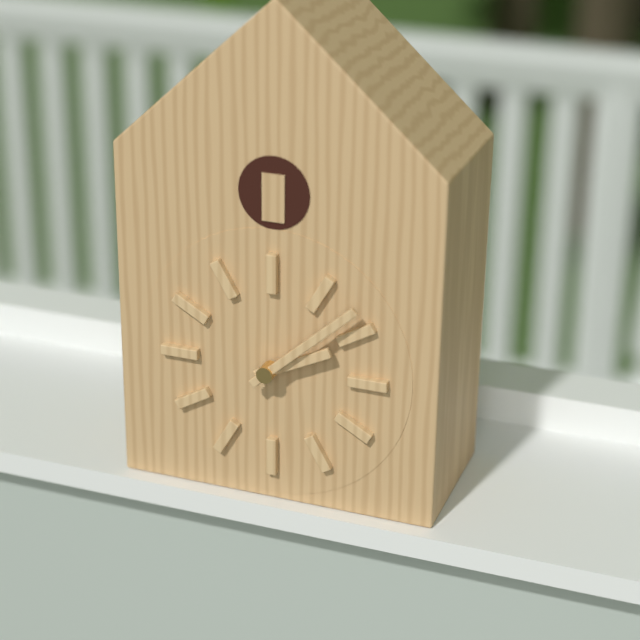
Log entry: {"hour": 2, "minute": 8}
